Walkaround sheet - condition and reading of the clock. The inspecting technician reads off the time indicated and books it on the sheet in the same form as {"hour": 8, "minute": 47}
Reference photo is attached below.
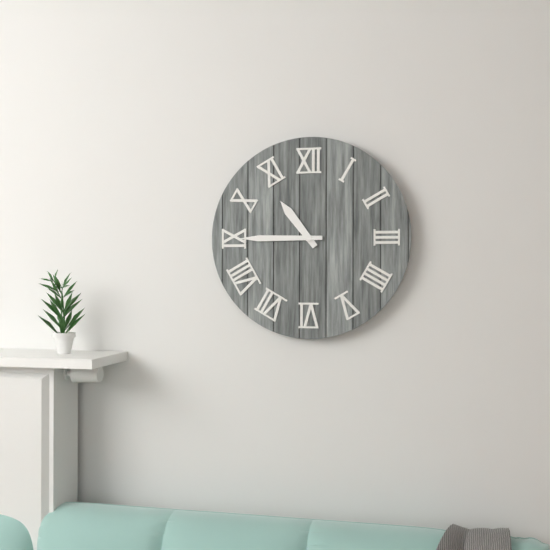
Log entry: {"hour": 10, "minute": 45}
